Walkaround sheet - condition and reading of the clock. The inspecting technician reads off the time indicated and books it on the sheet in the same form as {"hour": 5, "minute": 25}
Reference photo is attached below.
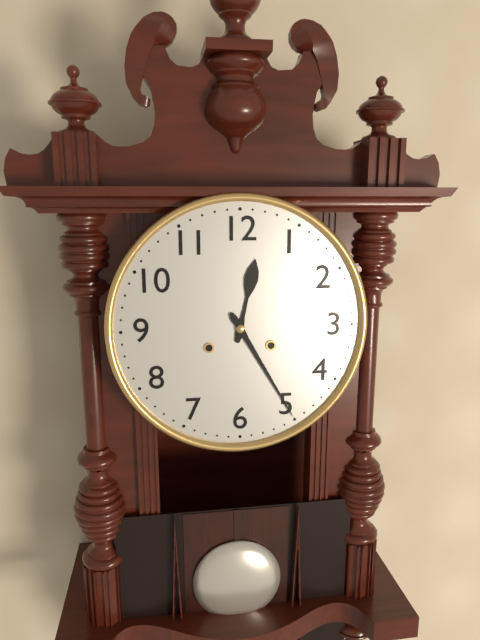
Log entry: {"hour": 12, "minute": 25}
